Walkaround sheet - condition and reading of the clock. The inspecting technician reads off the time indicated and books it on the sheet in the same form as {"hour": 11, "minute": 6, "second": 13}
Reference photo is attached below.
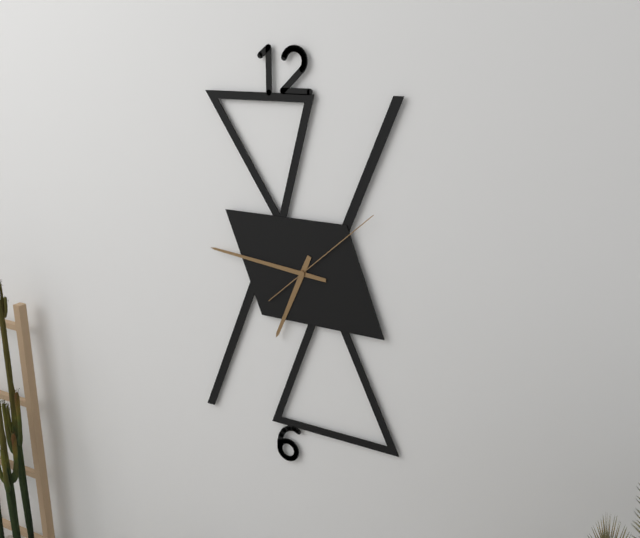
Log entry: {"hour": 6, "minute": 46, "second": 8}
